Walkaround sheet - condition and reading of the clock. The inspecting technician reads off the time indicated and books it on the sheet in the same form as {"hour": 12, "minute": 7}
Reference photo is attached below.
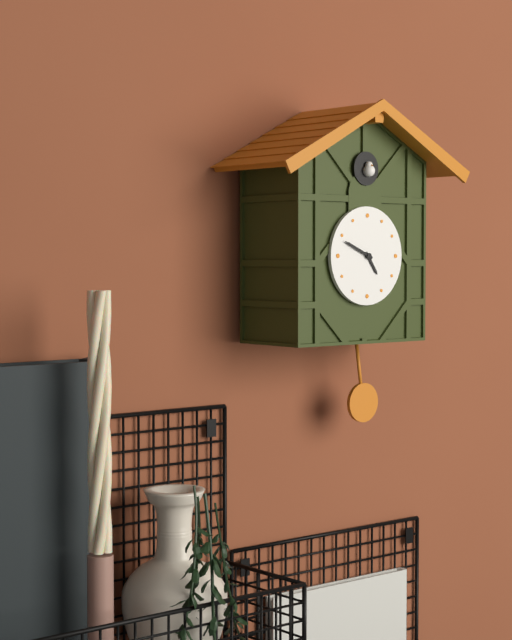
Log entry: {"hour": 4, "minute": 49}
